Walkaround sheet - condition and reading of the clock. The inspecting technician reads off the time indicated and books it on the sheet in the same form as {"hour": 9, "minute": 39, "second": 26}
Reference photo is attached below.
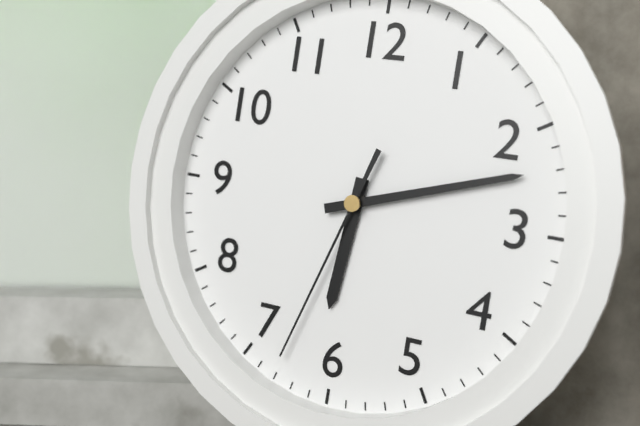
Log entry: {"hour": 6, "minute": 12, "second": 33}
